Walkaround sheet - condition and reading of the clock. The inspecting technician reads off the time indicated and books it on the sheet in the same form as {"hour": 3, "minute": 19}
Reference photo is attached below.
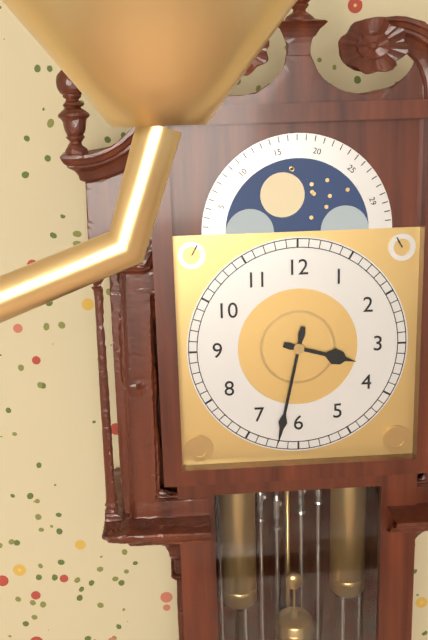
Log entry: {"hour": 3, "minute": 32}
